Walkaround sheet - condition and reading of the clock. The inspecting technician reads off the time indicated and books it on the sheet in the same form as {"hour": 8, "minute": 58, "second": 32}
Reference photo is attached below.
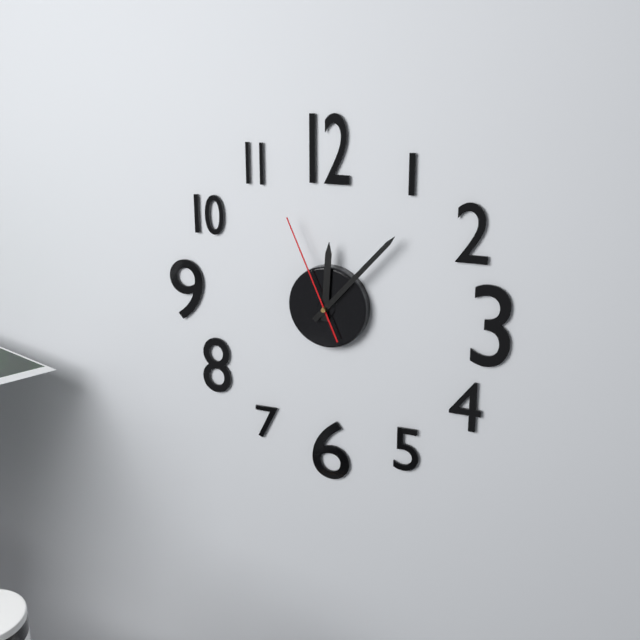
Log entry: {"hour": 12, "minute": 7, "second": 56}
